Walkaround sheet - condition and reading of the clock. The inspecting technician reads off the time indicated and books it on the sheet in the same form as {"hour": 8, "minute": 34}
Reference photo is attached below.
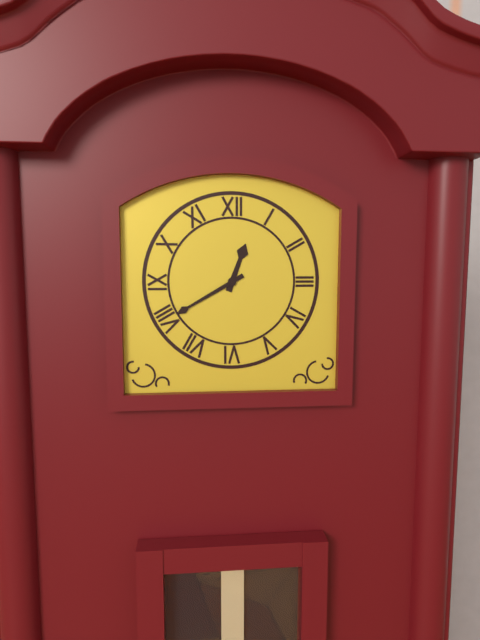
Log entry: {"hour": 12, "minute": 40}
